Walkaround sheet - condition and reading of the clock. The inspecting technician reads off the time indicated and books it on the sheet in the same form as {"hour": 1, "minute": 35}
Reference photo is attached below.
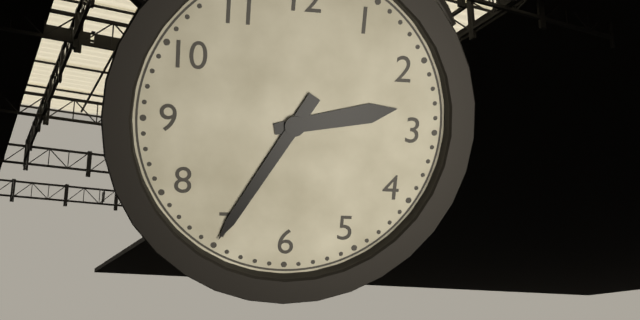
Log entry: {"hour": 2, "minute": 35}
